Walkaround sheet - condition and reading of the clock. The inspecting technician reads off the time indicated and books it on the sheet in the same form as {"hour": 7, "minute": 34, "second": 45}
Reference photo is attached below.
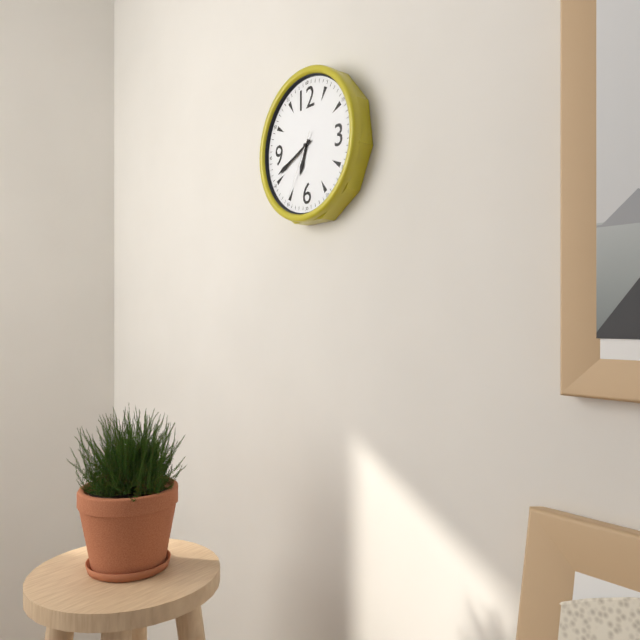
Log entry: {"hour": 6, "minute": 41, "second": 35}
